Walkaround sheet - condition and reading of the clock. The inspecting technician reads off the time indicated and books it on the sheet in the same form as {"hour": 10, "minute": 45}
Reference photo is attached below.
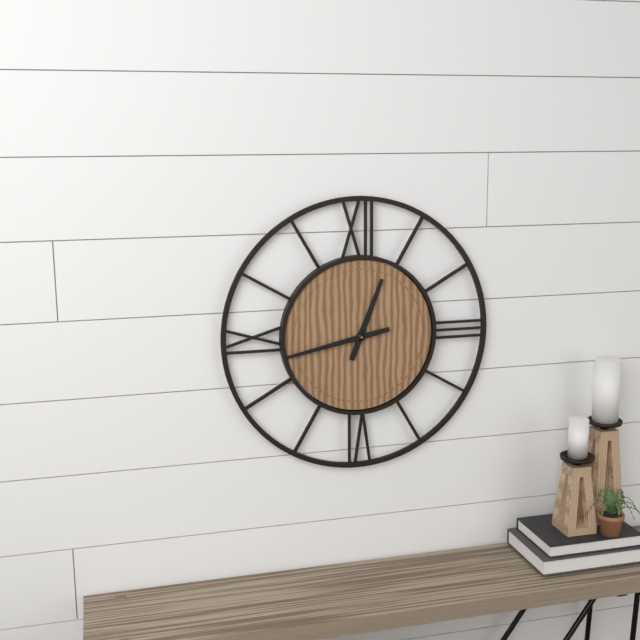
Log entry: {"hour": 12, "minute": 43}
